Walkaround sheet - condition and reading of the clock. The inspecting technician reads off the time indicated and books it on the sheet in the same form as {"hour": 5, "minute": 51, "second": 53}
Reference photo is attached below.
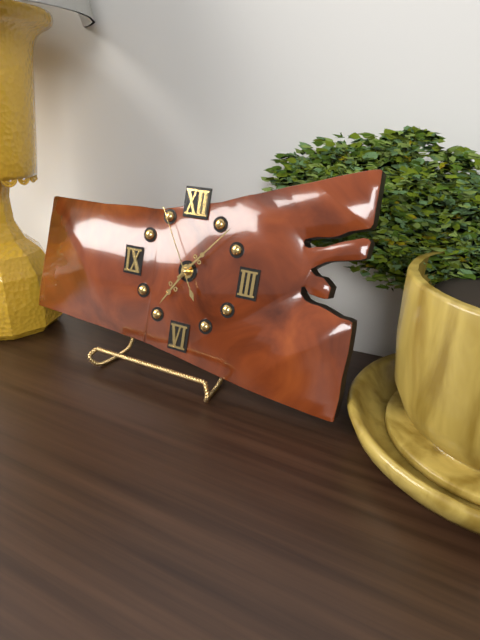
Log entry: {"hour": 7, "minute": 7, "second": 55}
